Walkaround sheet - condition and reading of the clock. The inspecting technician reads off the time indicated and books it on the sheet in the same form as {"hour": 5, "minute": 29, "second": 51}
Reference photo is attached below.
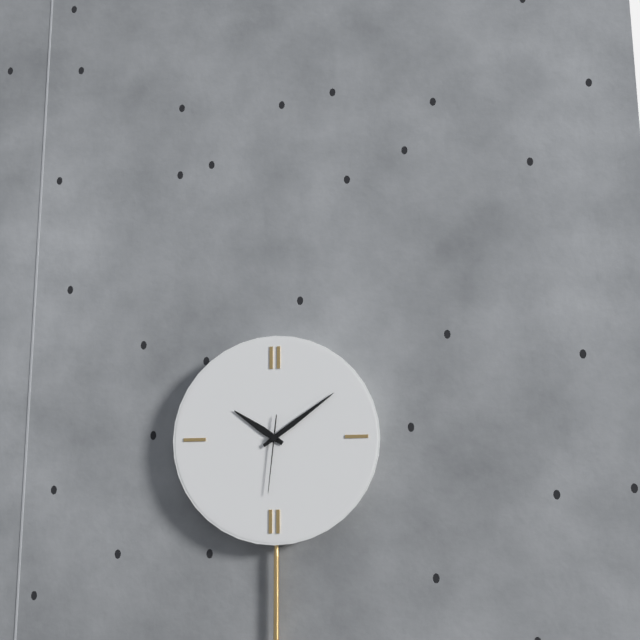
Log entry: {"hour": 10, "minute": 9, "second": 31}
